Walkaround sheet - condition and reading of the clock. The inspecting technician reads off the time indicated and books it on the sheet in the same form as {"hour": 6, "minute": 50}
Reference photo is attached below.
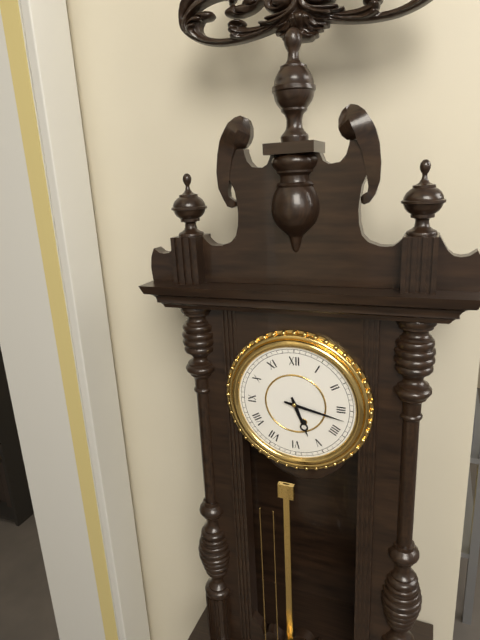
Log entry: {"hour": 5, "minute": 17}
